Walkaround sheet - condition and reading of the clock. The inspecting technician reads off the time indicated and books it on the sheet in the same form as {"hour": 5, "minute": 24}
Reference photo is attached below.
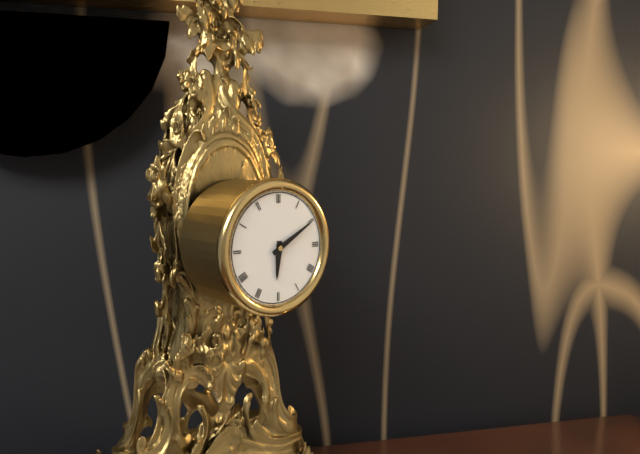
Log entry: {"hour": 6, "minute": 10}
